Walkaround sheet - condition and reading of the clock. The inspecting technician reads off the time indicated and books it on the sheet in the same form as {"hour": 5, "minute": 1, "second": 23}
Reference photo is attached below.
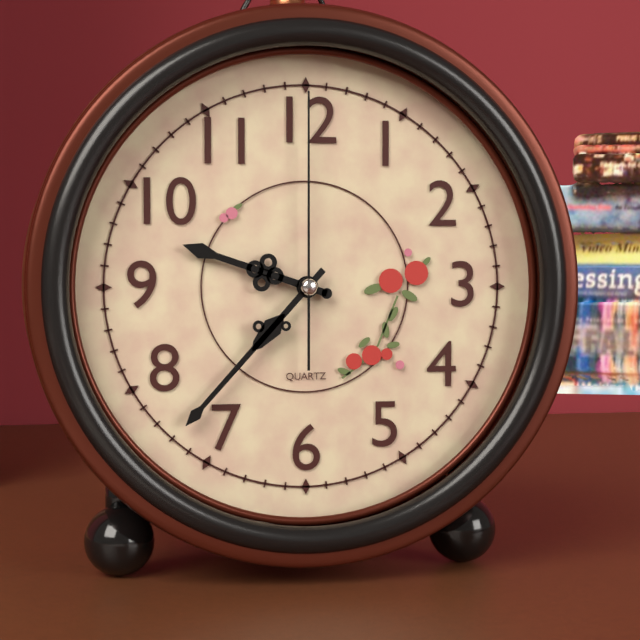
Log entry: {"hour": 9, "minute": 37, "second": 0}
